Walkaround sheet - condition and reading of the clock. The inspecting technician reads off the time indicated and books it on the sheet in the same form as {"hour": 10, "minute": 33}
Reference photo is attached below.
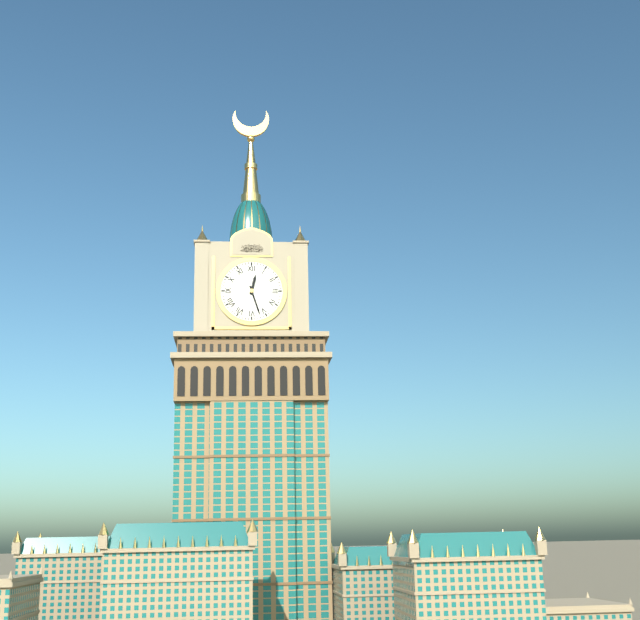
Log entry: {"hour": 12, "minute": 27}
